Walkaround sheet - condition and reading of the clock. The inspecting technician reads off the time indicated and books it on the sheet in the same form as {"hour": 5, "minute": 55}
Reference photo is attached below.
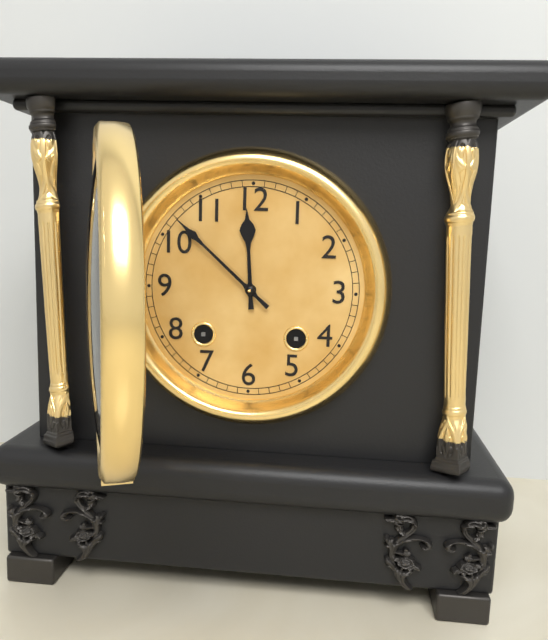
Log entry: {"hour": 11, "minute": 52}
